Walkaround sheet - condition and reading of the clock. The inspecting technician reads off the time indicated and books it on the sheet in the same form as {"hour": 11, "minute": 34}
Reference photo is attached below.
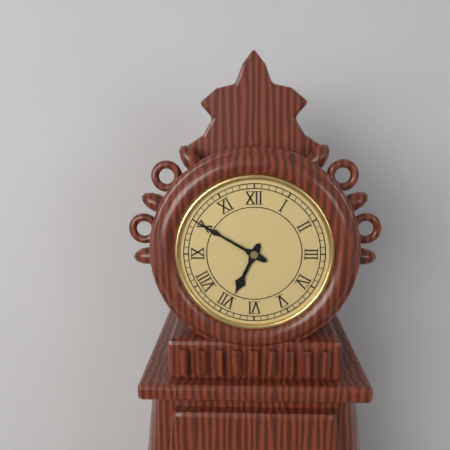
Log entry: {"hour": 6, "minute": 50}
